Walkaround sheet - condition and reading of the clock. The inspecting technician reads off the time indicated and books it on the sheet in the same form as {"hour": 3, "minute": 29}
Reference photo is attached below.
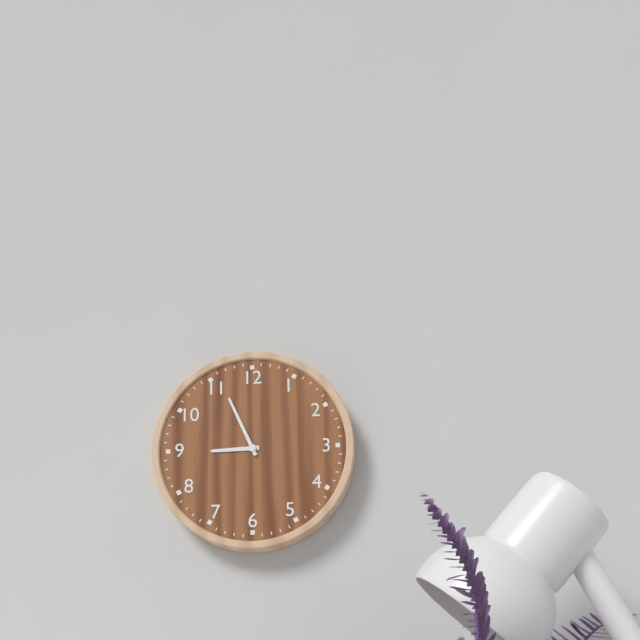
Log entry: {"hour": 8, "minute": 56}
